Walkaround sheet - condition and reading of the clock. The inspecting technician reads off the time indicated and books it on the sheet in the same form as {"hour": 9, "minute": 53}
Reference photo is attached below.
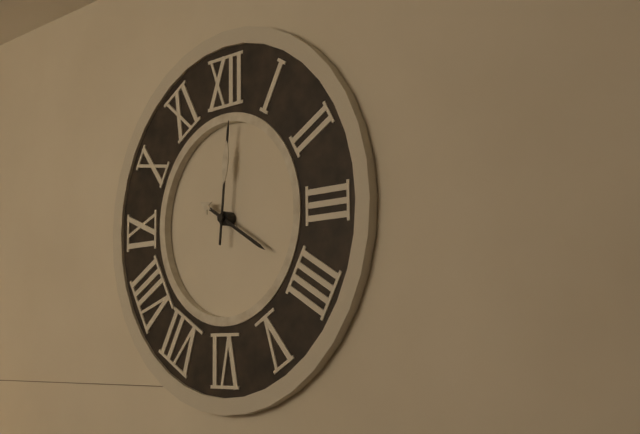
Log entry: {"hour": 4, "minute": 1}
